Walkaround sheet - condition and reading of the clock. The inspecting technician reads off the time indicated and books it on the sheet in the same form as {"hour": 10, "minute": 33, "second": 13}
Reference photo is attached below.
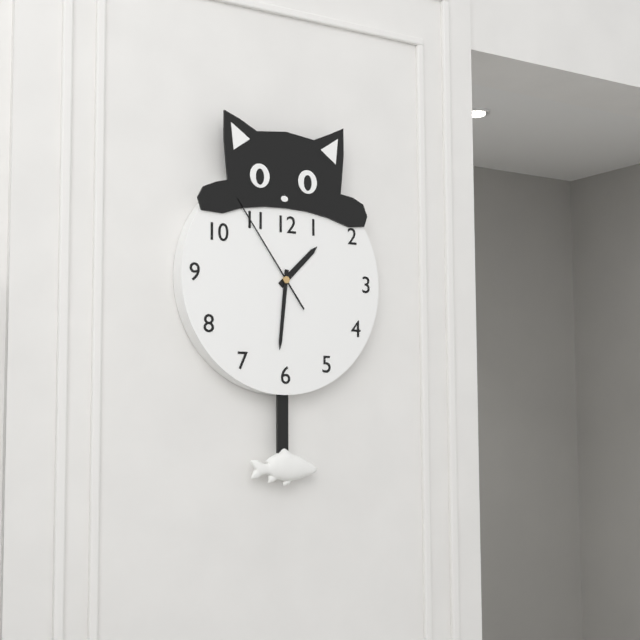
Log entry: {"hour": 1, "minute": 31, "second": 54}
